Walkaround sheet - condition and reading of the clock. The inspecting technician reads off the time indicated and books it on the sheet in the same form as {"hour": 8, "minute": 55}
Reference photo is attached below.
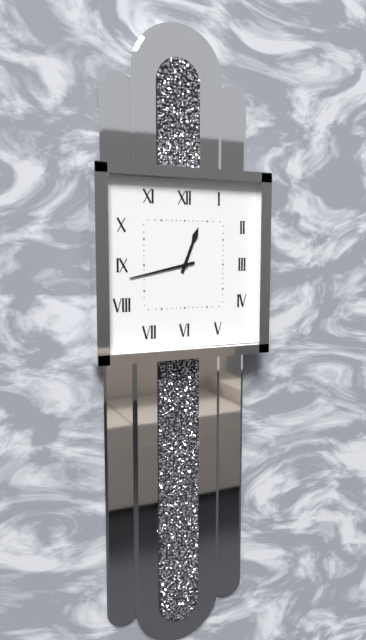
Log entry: {"hour": 12, "minute": 43}
